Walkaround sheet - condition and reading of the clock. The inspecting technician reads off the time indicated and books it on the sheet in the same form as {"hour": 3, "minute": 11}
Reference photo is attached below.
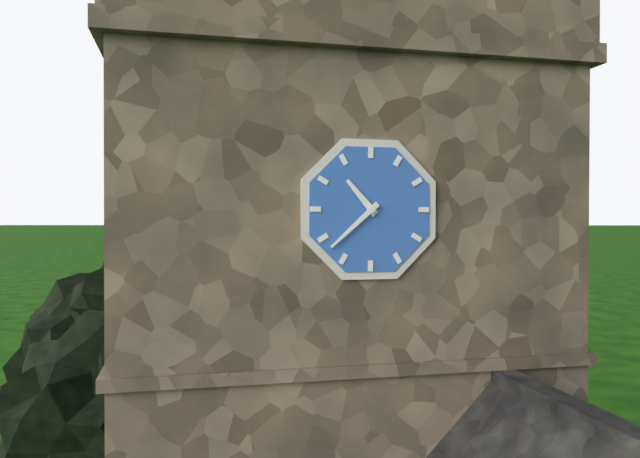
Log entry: {"hour": 10, "minute": 38}
